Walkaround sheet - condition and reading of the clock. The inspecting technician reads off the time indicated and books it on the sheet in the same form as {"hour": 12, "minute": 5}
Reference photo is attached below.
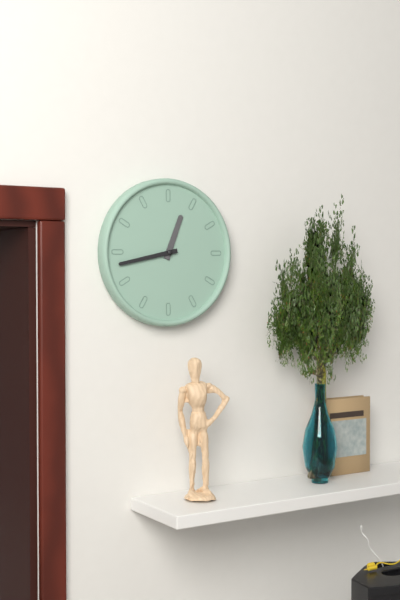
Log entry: {"hour": 12, "minute": 43}
